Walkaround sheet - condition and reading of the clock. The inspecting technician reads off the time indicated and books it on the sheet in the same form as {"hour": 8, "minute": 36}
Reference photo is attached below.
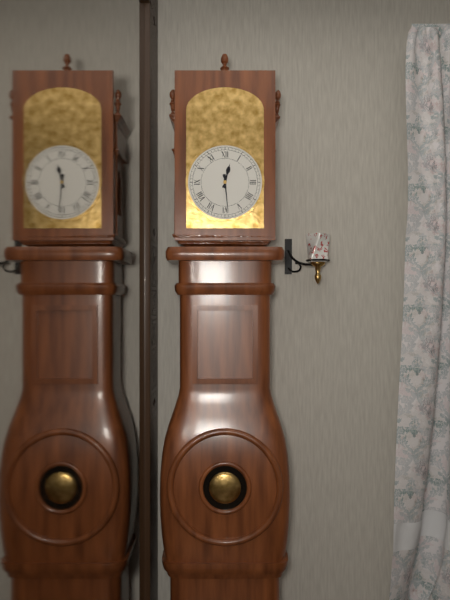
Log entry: {"hour": 12, "minute": 29}
